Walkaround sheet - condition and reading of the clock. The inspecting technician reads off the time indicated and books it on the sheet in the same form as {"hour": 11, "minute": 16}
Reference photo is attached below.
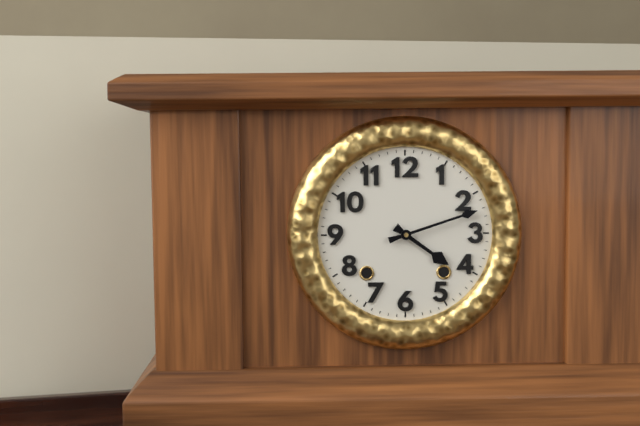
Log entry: {"hour": 4, "minute": 12}
